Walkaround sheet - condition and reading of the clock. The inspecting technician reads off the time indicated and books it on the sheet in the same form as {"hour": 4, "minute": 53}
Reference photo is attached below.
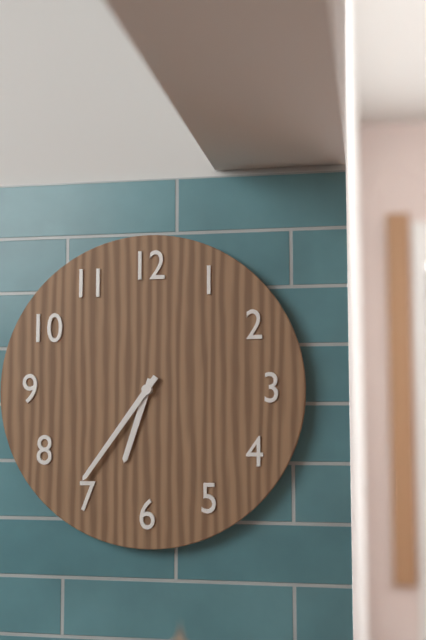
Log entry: {"hour": 6, "minute": 36}
